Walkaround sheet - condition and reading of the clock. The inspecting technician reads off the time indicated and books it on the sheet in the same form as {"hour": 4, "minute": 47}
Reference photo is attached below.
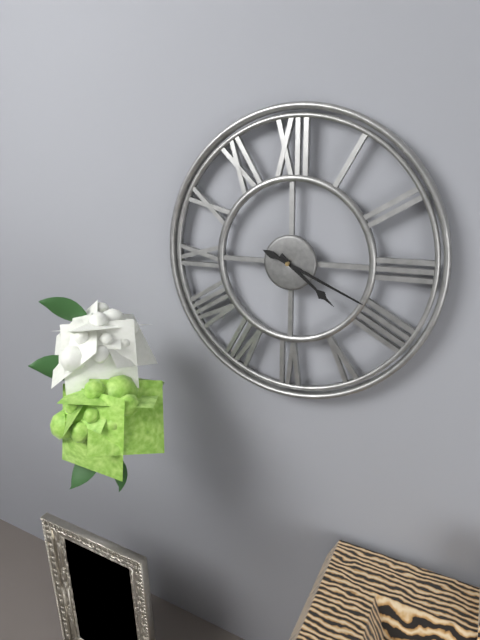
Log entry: {"hour": 4, "minute": 19}
